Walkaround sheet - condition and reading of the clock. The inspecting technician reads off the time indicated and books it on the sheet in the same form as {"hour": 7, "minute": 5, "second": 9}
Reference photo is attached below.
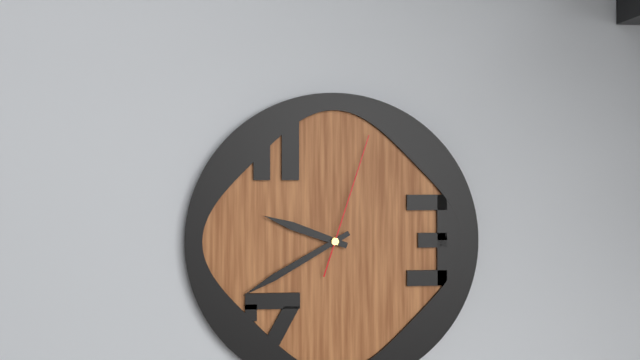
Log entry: {"hour": 9, "minute": 40, "second": 3}
